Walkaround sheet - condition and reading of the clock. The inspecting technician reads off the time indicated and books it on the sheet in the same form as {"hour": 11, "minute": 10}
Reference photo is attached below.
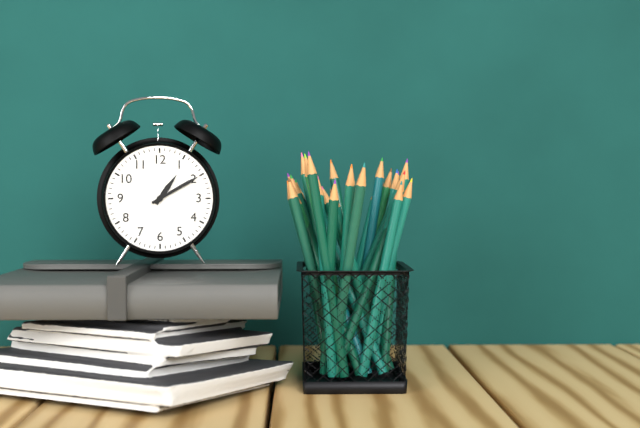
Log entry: {"hour": 1, "minute": 10}
